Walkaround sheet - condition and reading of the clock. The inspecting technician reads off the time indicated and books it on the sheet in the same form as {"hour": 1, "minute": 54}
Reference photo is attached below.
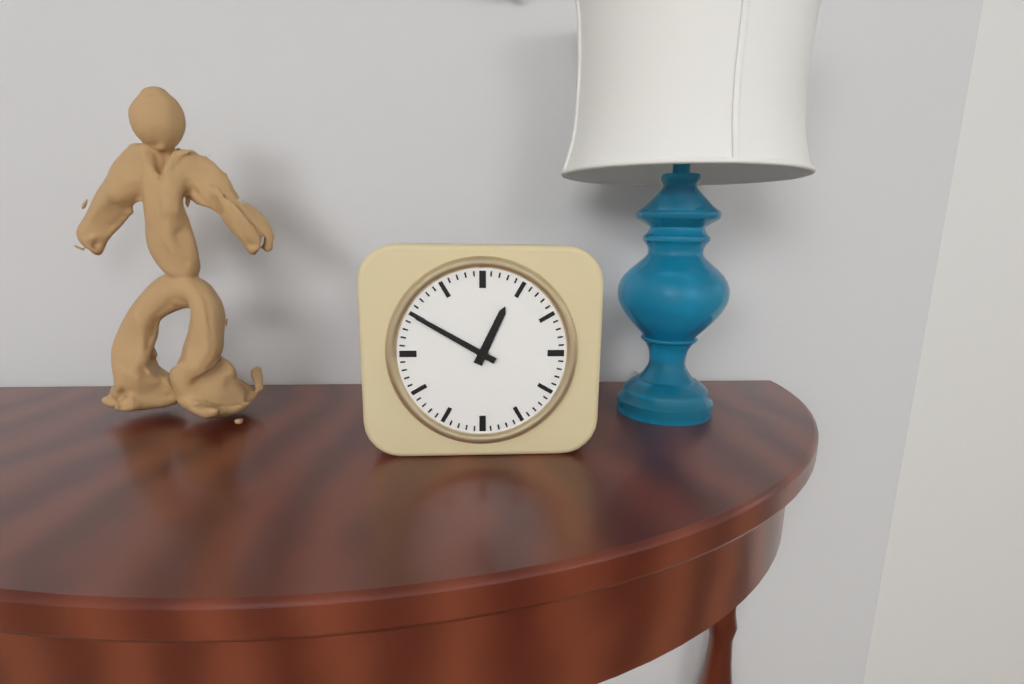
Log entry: {"hour": 12, "minute": 50}
